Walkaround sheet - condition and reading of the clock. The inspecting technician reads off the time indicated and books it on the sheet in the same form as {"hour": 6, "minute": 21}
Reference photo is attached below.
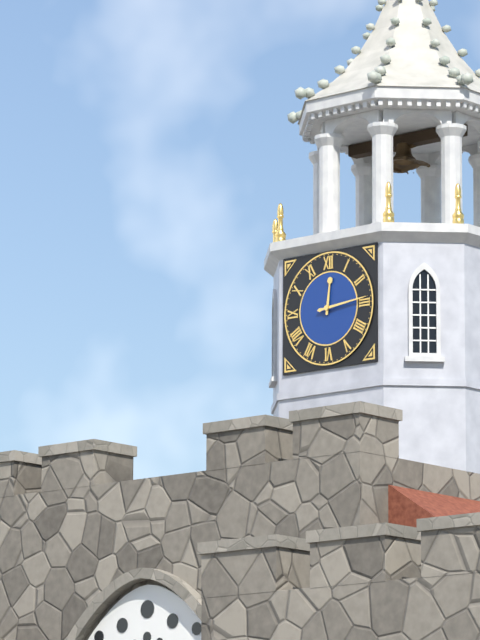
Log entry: {"hour": 12, "minute": 14}
